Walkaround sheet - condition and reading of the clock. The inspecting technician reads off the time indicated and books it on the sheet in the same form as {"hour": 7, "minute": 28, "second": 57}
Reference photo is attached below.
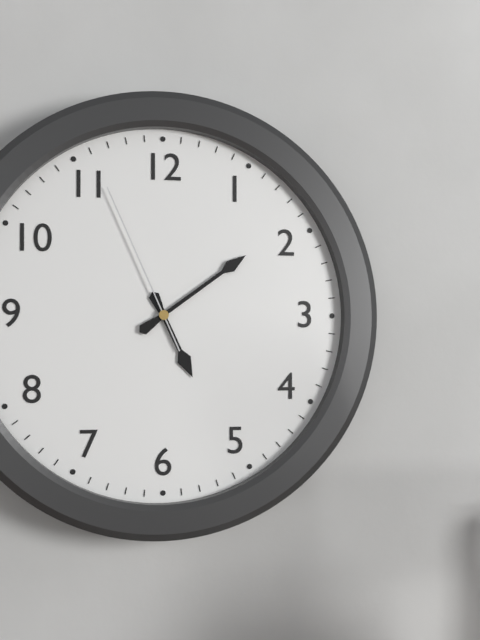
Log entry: {"hour": 5, "minute": 9, "second": 56}
